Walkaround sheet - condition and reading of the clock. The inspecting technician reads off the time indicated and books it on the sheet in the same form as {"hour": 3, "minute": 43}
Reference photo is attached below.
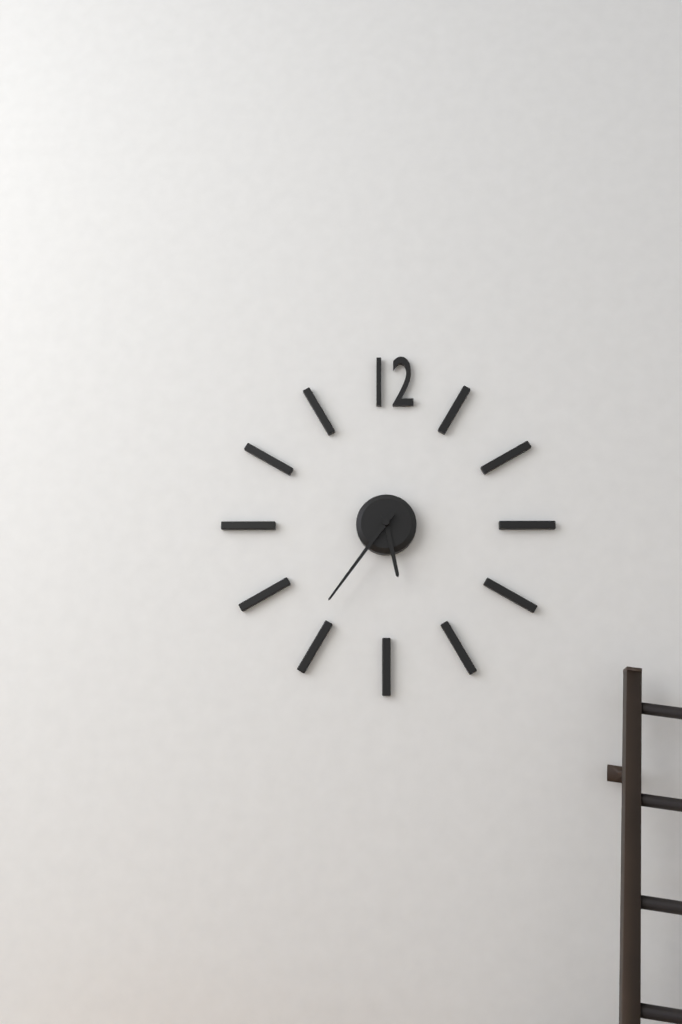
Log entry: {"hour": 5, "minute": 36}
